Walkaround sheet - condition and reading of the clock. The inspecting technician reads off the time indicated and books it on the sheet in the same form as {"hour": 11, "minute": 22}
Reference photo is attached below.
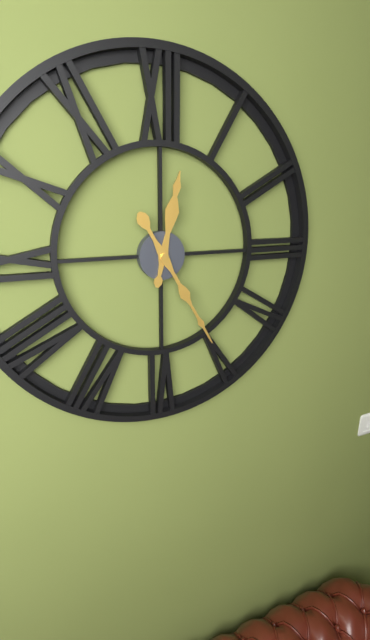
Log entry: {"hour": 12, "minute": 25}
